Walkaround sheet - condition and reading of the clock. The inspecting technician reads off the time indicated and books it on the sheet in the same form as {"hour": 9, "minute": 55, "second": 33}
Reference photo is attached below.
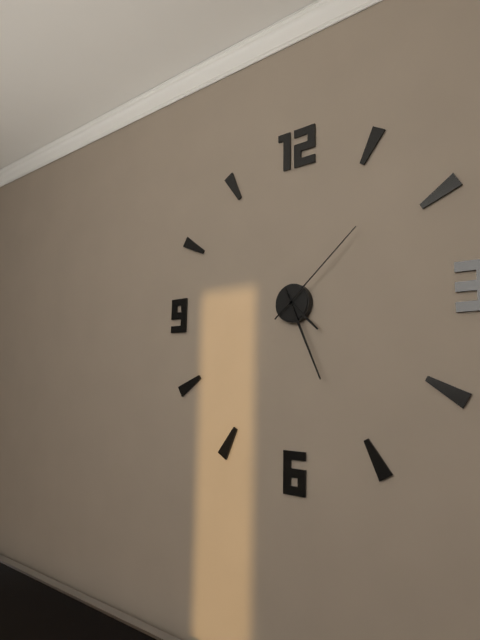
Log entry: {"hour": 4, "minute": 26, "second": 8}
